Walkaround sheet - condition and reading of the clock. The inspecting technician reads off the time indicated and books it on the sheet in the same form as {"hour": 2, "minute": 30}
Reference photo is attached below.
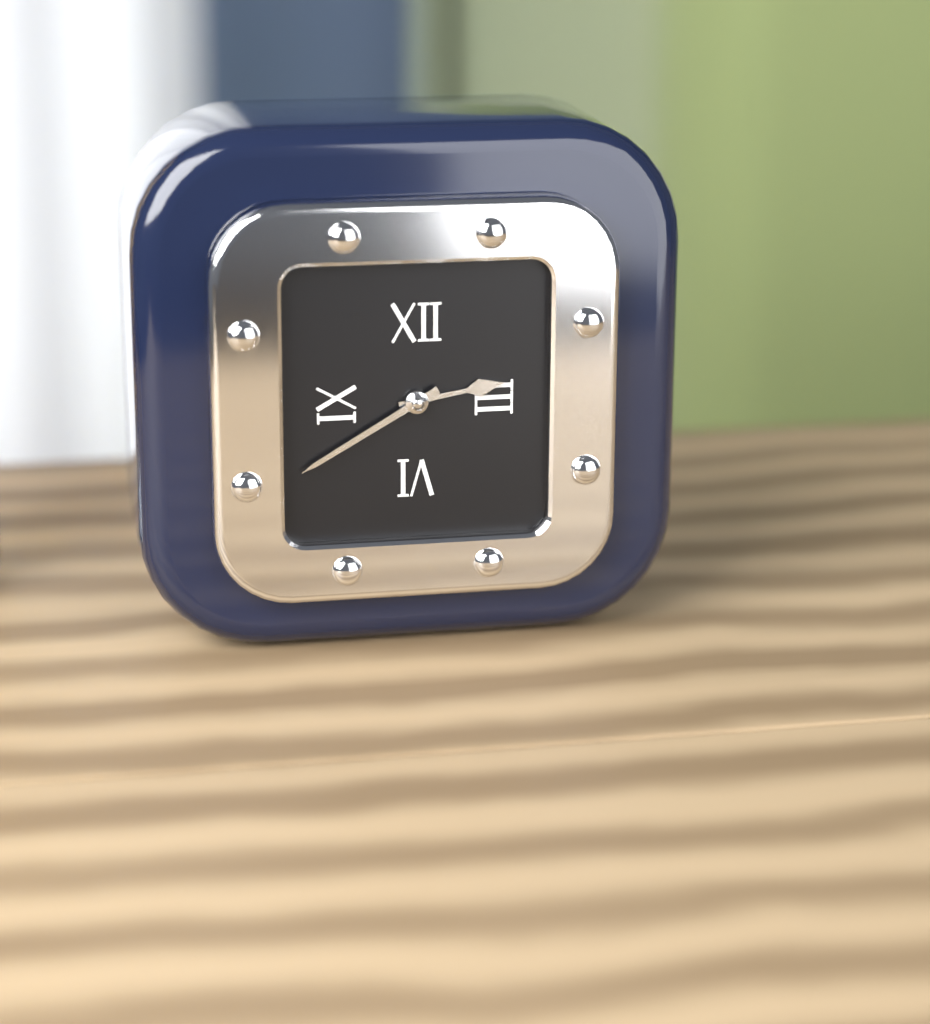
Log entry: {"hour": 2, "minute": 40}
